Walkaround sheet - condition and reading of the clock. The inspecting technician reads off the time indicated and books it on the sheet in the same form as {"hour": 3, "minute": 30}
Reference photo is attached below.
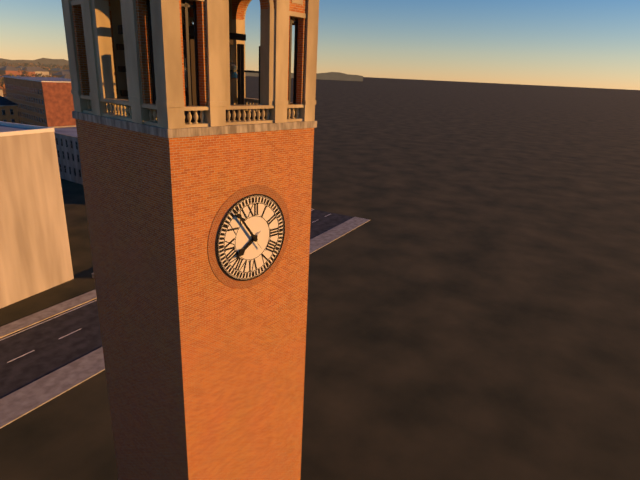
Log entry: {"hour": 7, "minute": 54}
